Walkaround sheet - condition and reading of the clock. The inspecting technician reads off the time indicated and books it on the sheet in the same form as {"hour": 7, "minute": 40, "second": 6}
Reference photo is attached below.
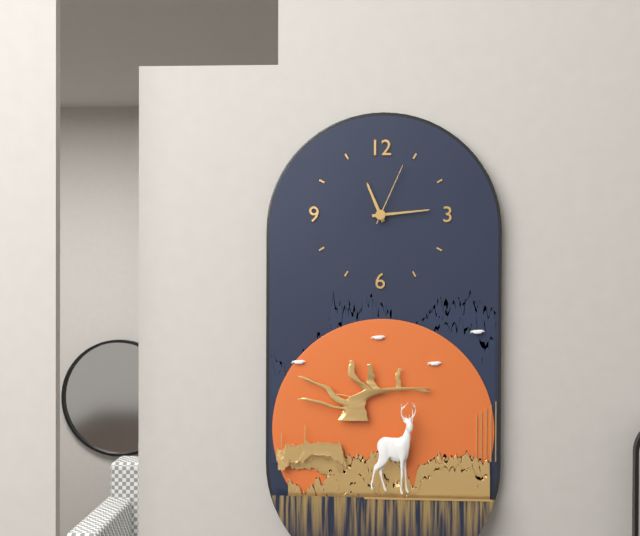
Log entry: {"hour": 11, "minute": 14, "second": 4}
